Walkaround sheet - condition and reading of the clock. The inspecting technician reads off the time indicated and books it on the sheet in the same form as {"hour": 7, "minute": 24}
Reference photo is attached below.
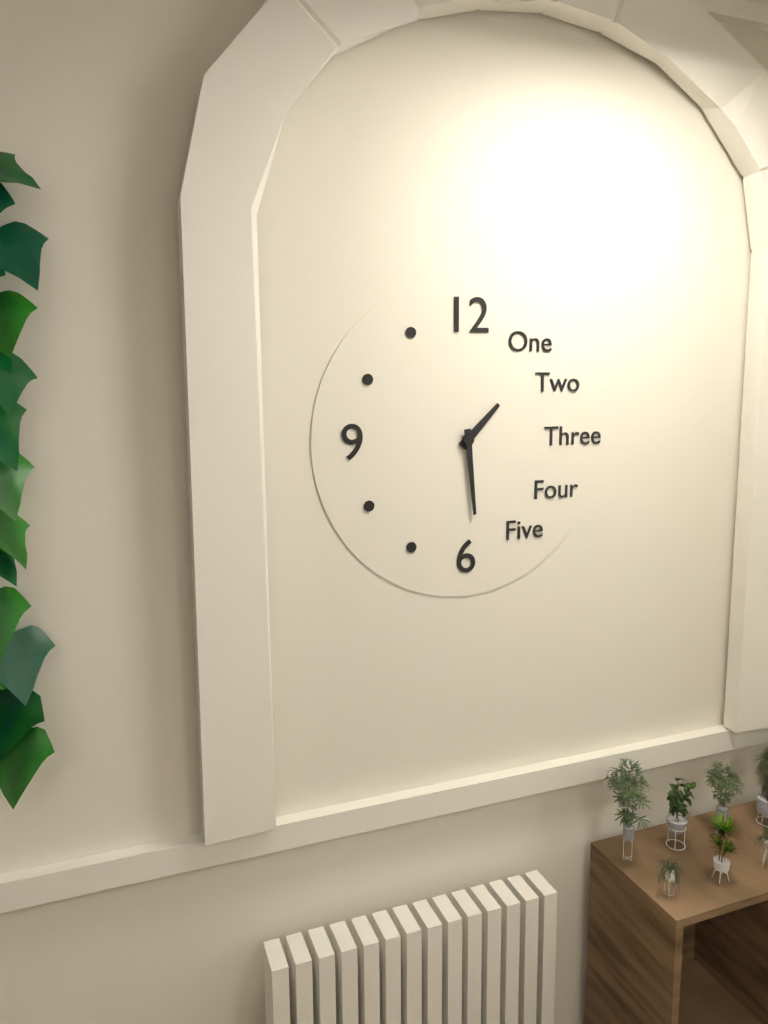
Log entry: {"hour": 1, "minute": 29}
